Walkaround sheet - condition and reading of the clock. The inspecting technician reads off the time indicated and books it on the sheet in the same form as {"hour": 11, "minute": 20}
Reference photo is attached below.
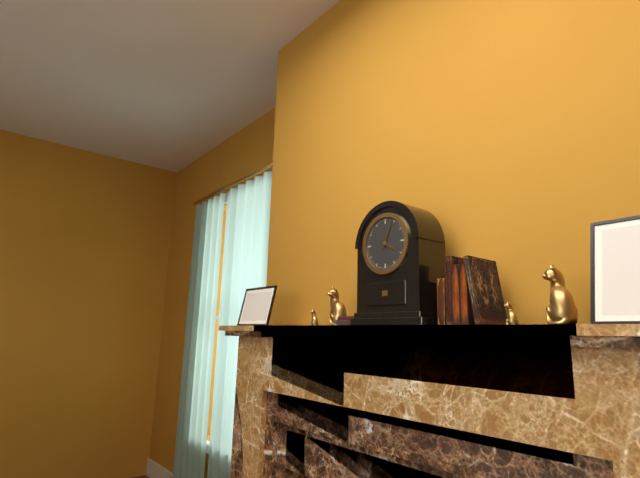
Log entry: {"hour": 4, "minute": 4}
